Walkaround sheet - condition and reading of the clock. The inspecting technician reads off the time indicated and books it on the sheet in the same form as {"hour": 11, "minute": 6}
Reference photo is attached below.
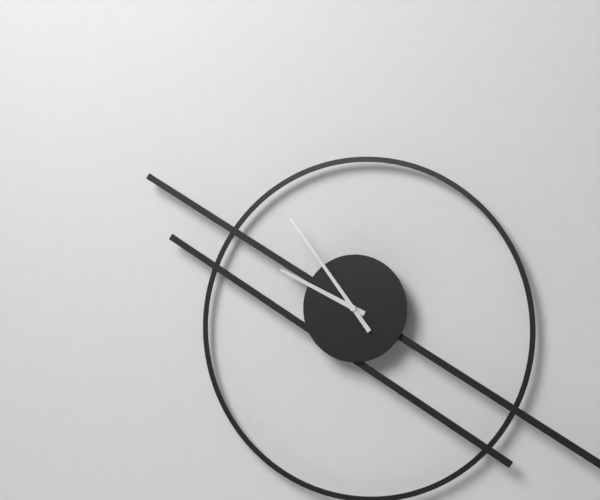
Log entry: {"hour": 9, "minute": 54}
